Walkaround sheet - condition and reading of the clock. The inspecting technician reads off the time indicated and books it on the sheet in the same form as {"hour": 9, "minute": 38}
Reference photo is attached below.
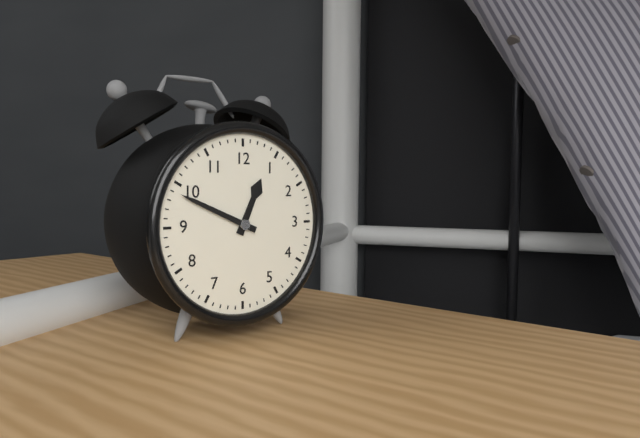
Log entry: {"hour": 12, "minute": 49}
